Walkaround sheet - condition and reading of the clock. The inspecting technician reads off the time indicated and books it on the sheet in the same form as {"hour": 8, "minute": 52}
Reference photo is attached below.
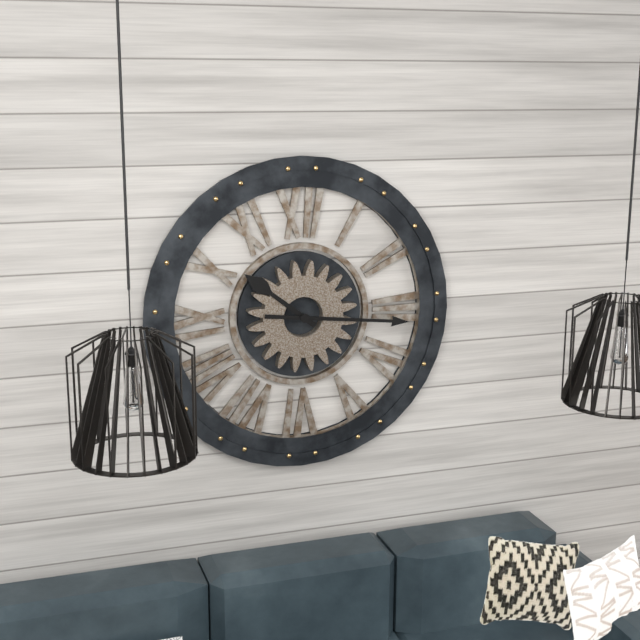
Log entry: {"hour": 10, "minute": 16}
